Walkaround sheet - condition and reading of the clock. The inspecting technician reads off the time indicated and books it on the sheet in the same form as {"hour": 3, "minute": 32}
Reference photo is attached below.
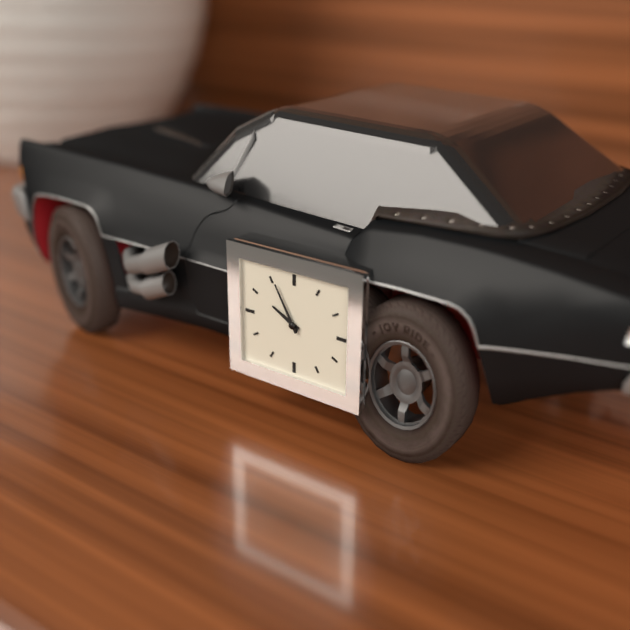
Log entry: {"hour": 9, "minute": 55}
